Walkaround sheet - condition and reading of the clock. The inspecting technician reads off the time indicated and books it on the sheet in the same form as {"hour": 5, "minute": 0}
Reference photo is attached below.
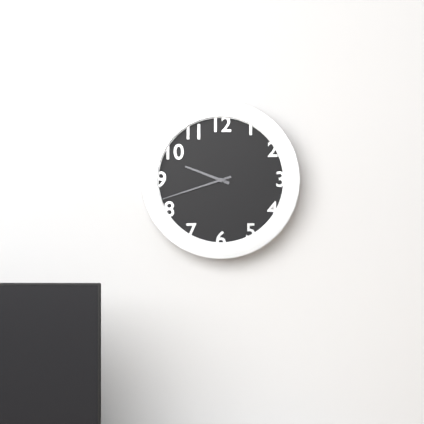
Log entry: {"hour": 9, "minute": 42}
